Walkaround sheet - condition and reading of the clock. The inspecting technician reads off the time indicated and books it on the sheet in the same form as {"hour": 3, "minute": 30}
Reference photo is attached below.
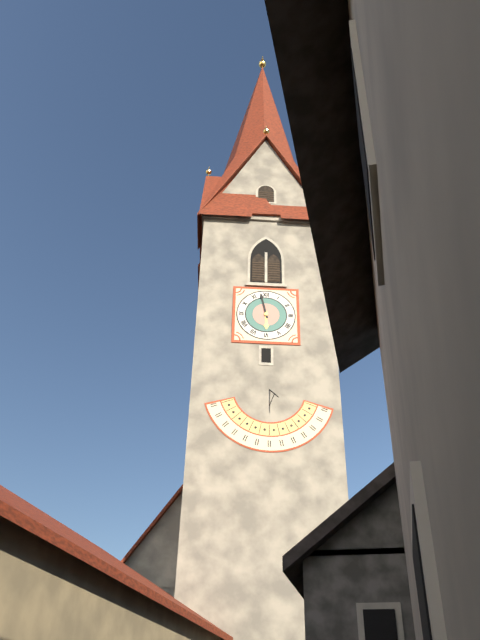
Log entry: {"hour": 5, "minute": 58}
